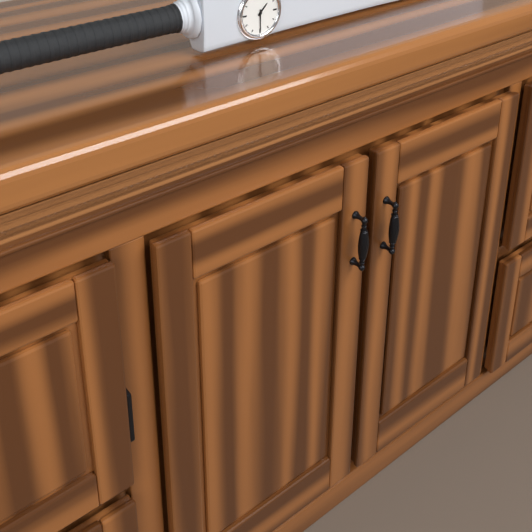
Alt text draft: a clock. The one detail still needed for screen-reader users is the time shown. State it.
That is 1:30
